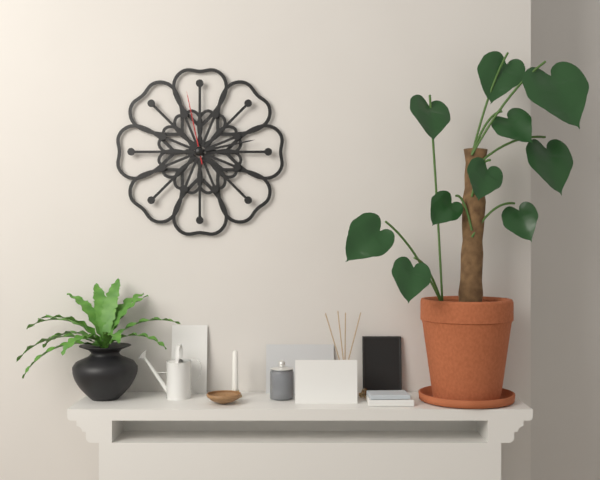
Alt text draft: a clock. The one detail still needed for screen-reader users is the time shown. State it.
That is 4:13:58
